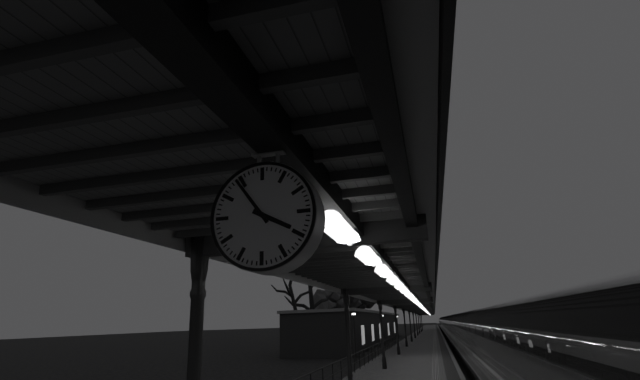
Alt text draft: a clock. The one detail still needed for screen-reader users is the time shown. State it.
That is 3:54
